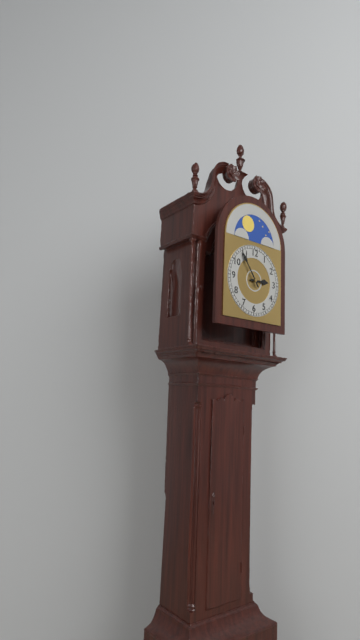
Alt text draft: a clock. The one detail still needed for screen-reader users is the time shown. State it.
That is 2:54
